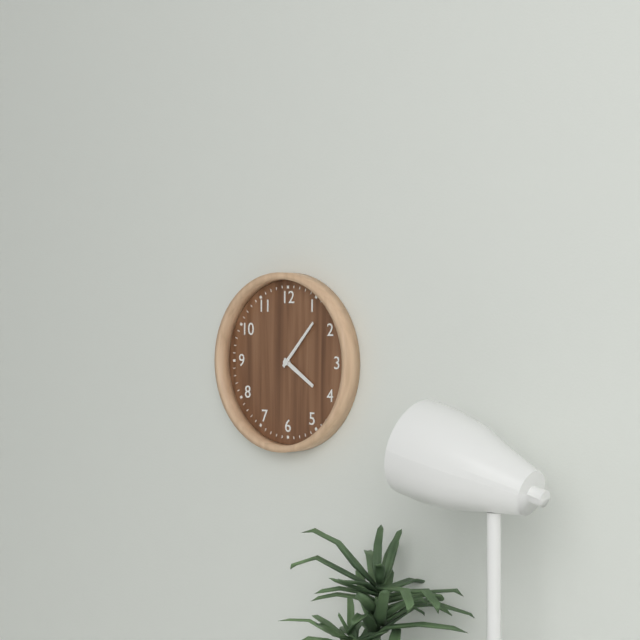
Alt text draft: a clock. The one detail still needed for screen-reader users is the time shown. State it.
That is 4:07
